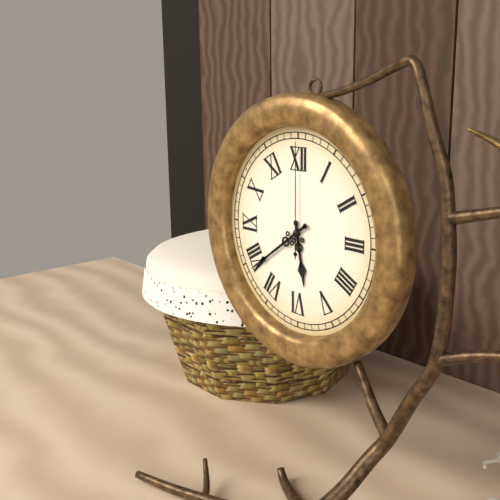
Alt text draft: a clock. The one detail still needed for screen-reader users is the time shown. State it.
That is 5:39:00
